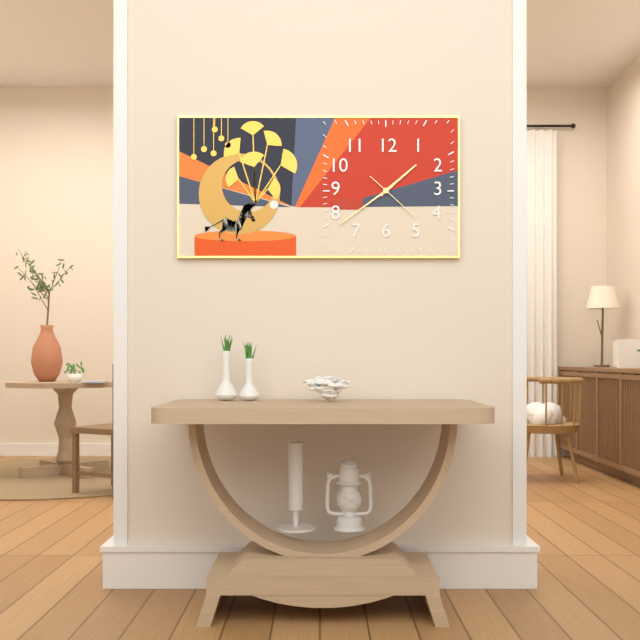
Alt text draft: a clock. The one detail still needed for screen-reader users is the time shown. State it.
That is 1:39
